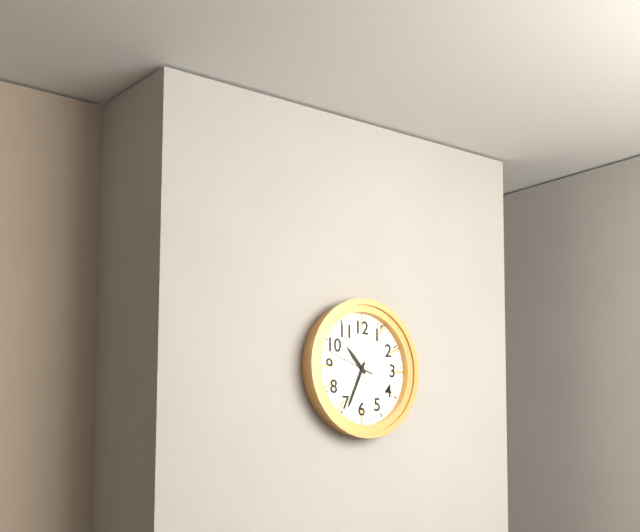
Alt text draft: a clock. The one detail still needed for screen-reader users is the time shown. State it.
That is 10:34:48
